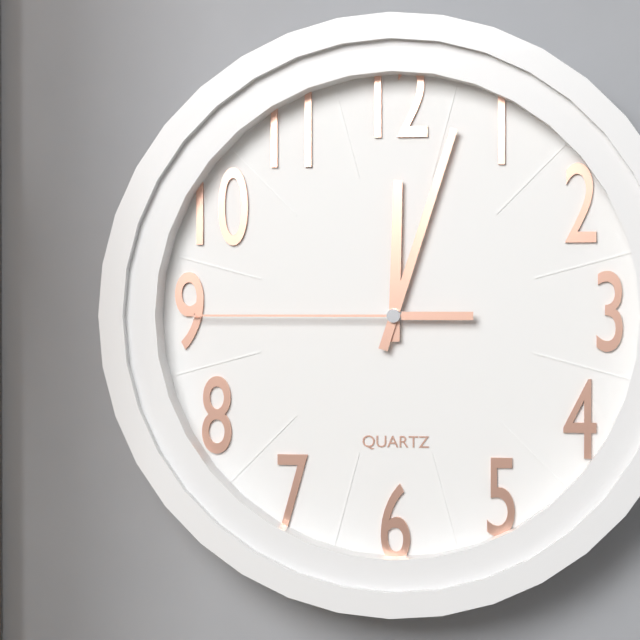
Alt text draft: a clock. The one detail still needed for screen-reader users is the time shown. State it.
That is 12:03:45
